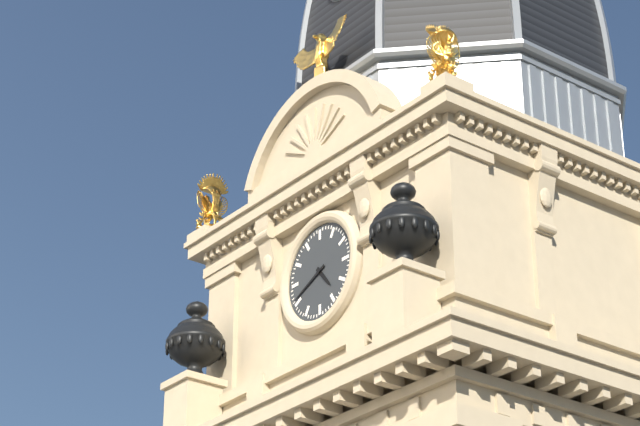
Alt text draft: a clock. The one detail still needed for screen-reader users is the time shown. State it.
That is 4:41
